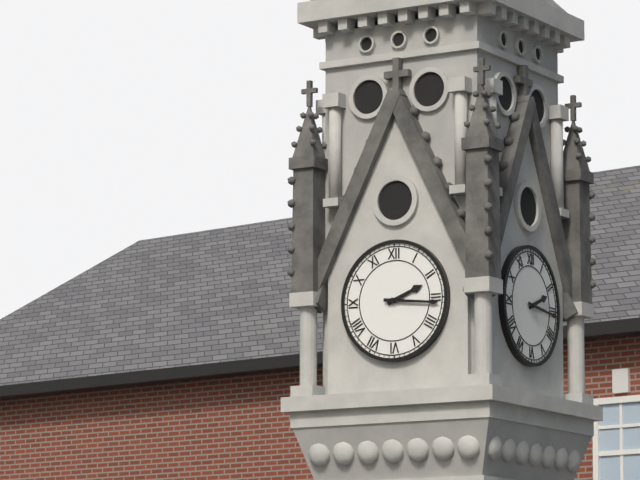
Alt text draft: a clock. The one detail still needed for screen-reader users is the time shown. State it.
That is 2:16
